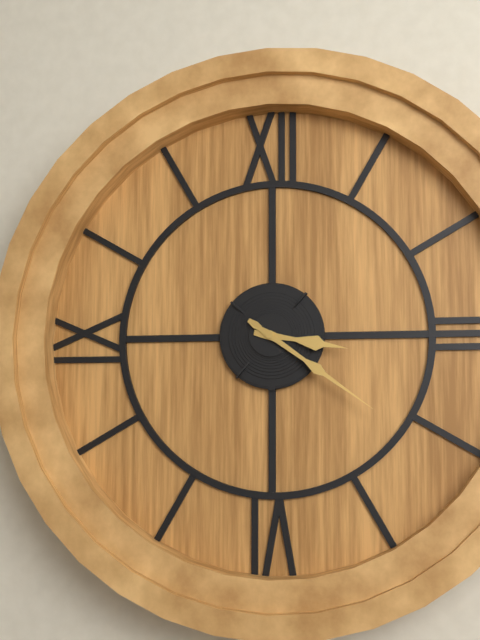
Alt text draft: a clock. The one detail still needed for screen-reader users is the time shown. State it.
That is 3:21
